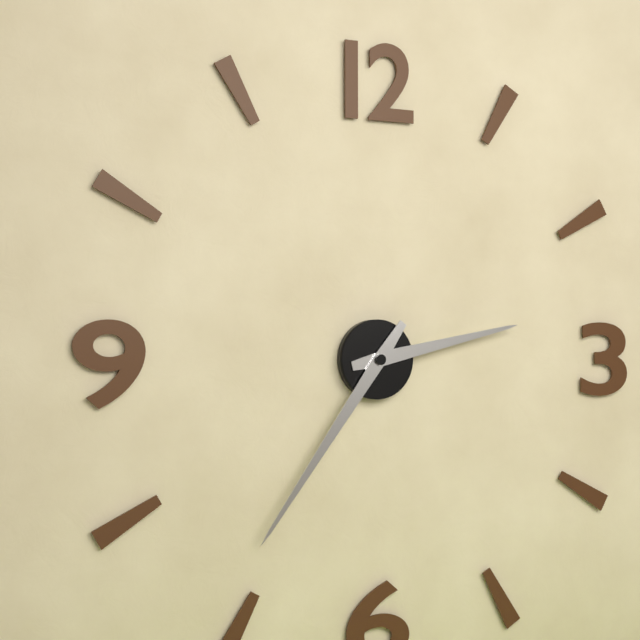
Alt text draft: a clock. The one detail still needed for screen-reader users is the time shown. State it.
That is 2:36
